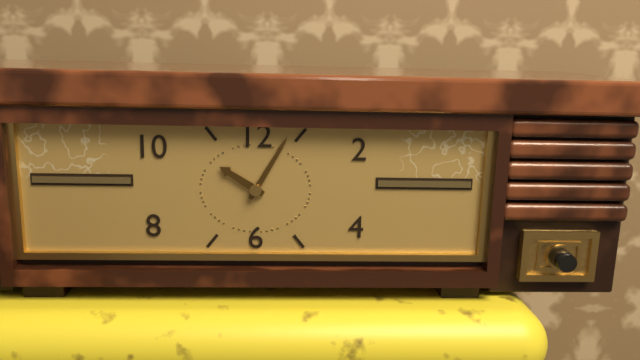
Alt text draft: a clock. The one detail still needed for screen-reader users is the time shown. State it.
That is 10:05
